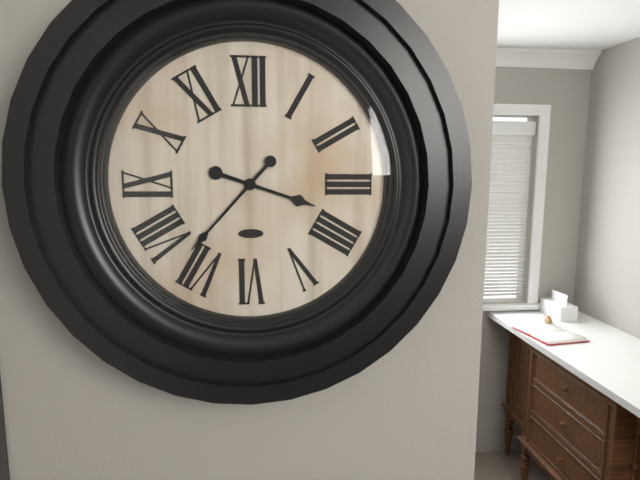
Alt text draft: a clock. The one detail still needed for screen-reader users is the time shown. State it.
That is 3:37
